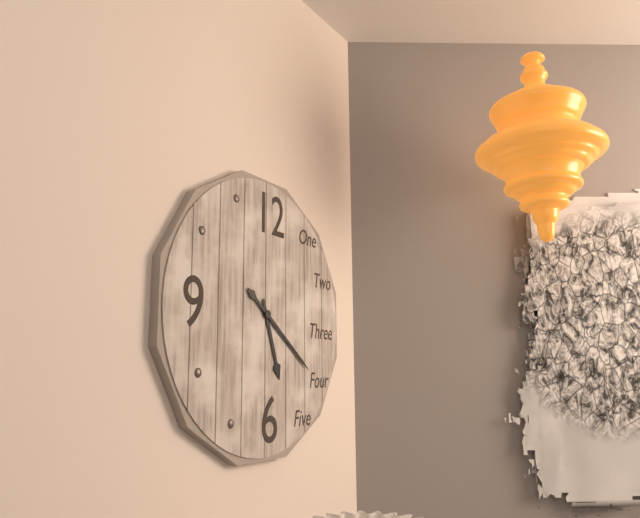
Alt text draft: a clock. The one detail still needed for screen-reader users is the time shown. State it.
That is 5:21
